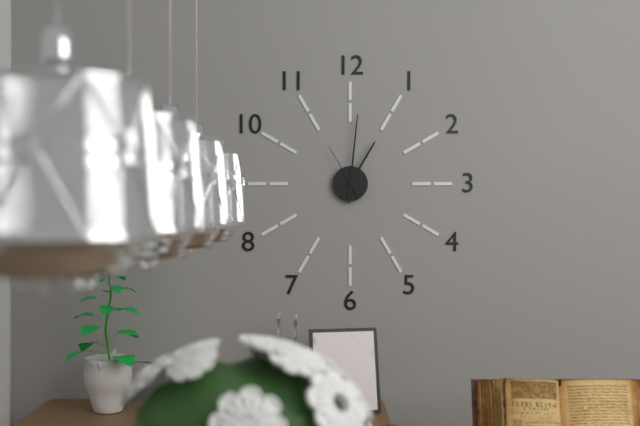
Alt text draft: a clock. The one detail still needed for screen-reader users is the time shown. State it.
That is 1:01:55
